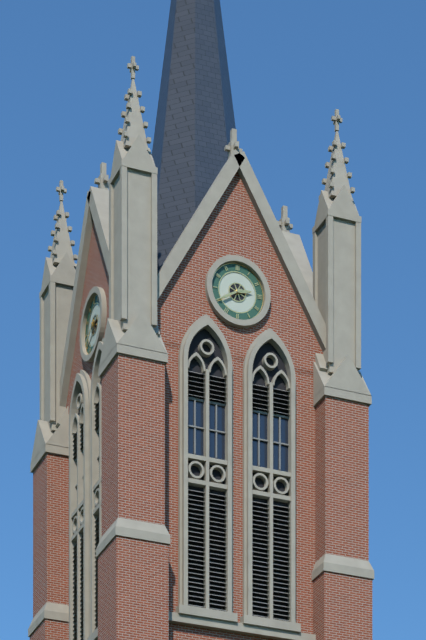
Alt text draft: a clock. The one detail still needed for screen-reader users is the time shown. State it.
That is 2:40
